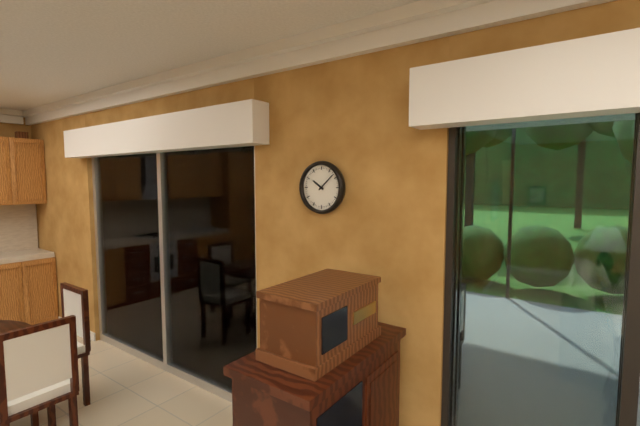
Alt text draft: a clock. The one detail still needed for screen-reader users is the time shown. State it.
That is 10:08
